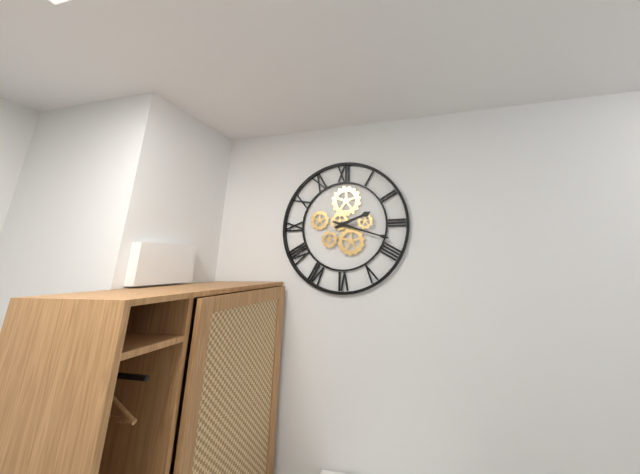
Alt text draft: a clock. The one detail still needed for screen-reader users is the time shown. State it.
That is 2:18
